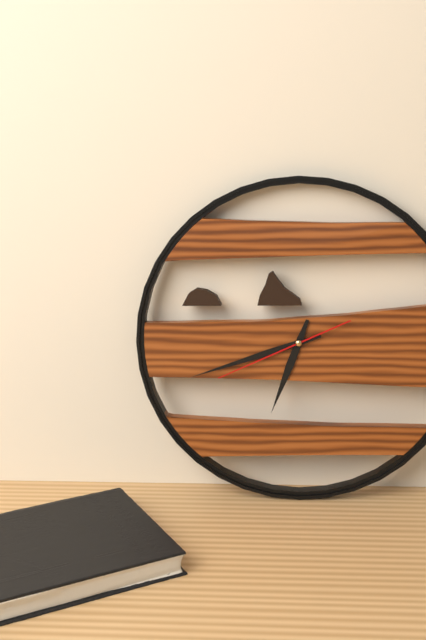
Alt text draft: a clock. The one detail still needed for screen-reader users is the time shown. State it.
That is 6:42:41
